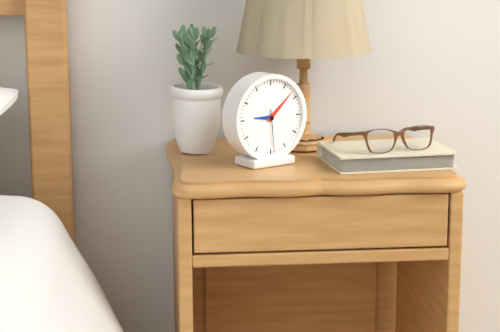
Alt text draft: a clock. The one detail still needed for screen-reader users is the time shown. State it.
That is 9:08
